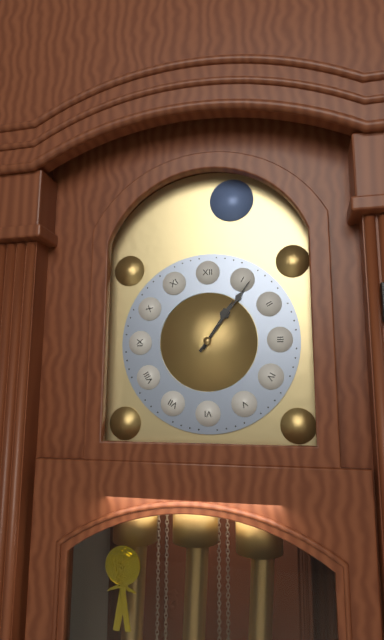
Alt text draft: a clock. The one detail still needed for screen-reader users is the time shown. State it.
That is 1:06
